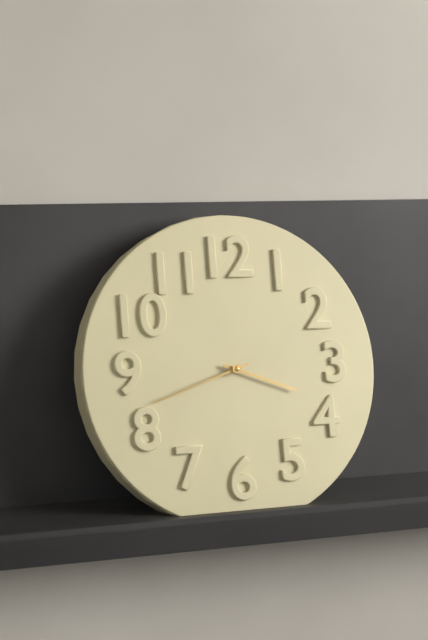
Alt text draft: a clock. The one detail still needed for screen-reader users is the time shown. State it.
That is 3:42
